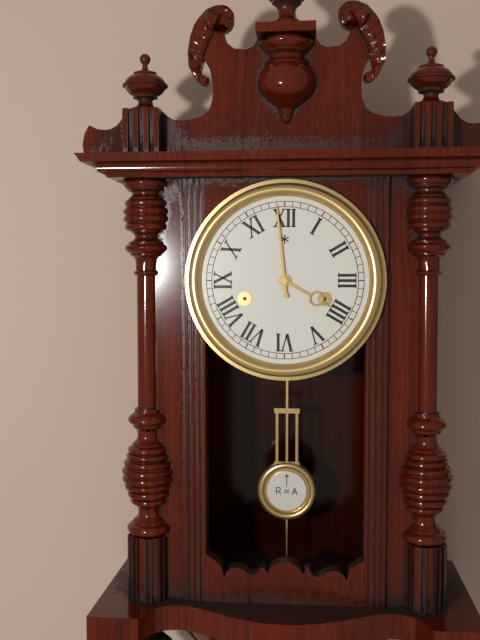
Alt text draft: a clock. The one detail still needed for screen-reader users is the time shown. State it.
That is 3:59
